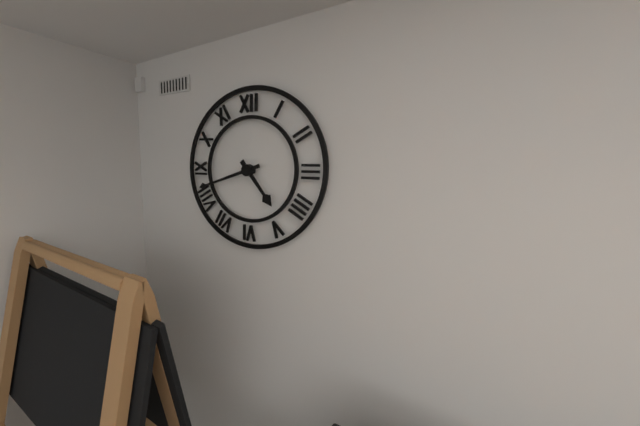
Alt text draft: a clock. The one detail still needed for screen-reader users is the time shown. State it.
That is 4:42
